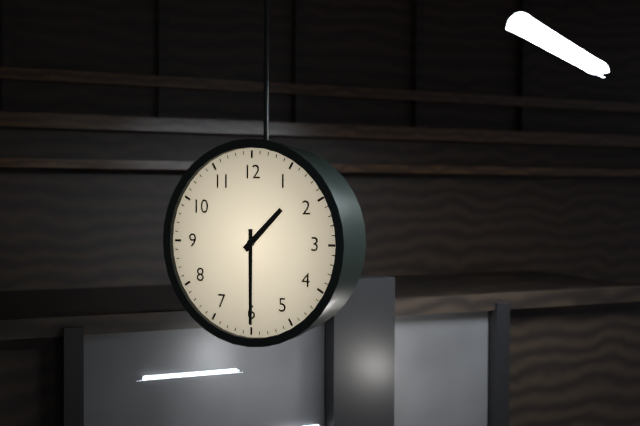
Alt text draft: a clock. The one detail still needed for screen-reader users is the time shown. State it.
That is 1:30
